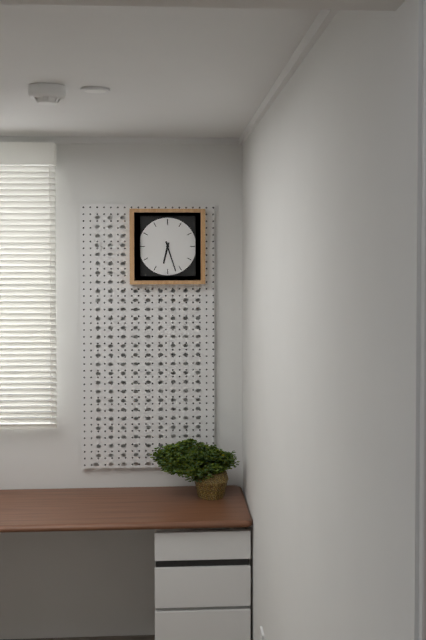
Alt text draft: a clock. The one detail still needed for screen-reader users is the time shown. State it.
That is 6:27
